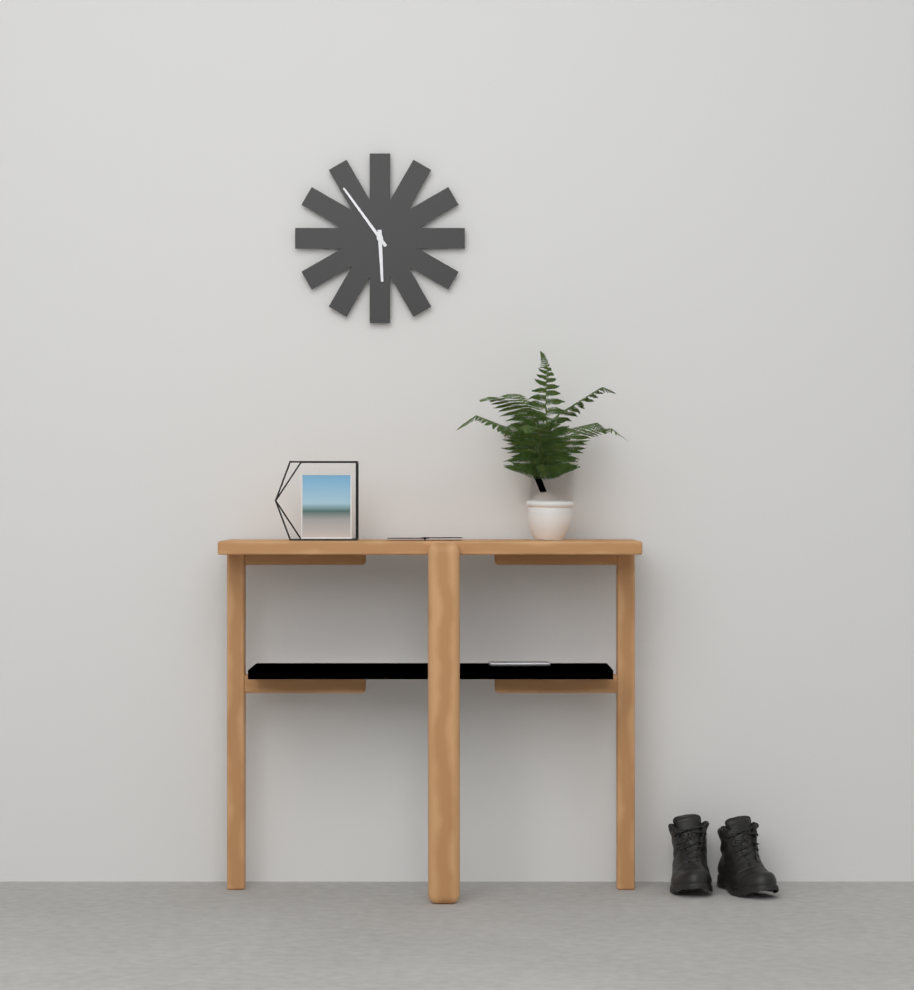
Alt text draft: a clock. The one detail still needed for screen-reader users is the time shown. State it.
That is 5:54
